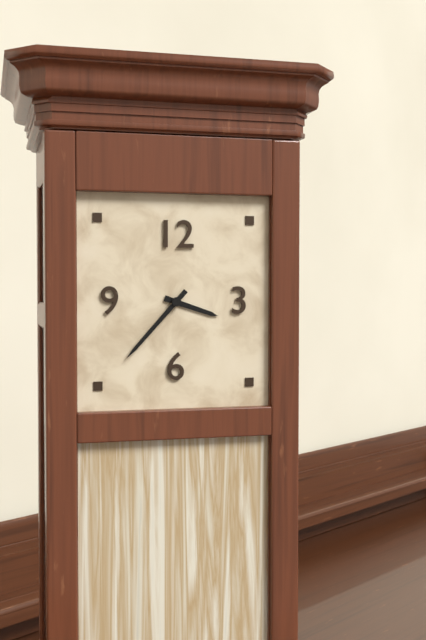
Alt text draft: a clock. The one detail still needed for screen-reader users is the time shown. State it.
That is 3:37
